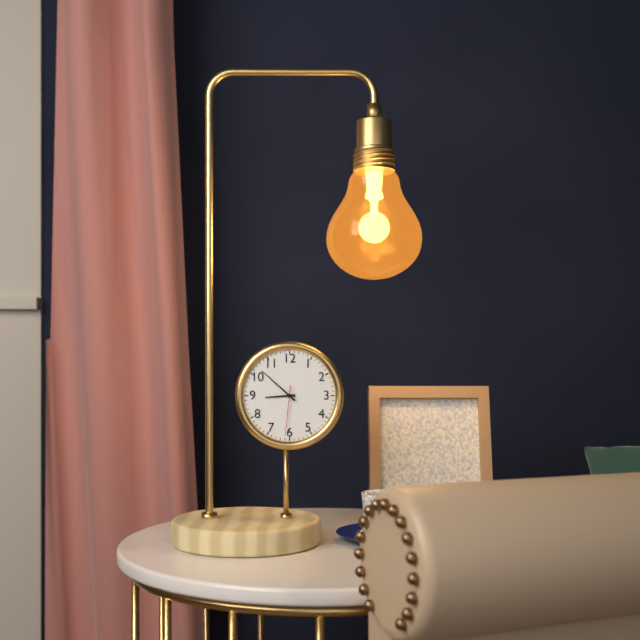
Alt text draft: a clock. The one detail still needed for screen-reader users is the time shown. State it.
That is 8:52:31
